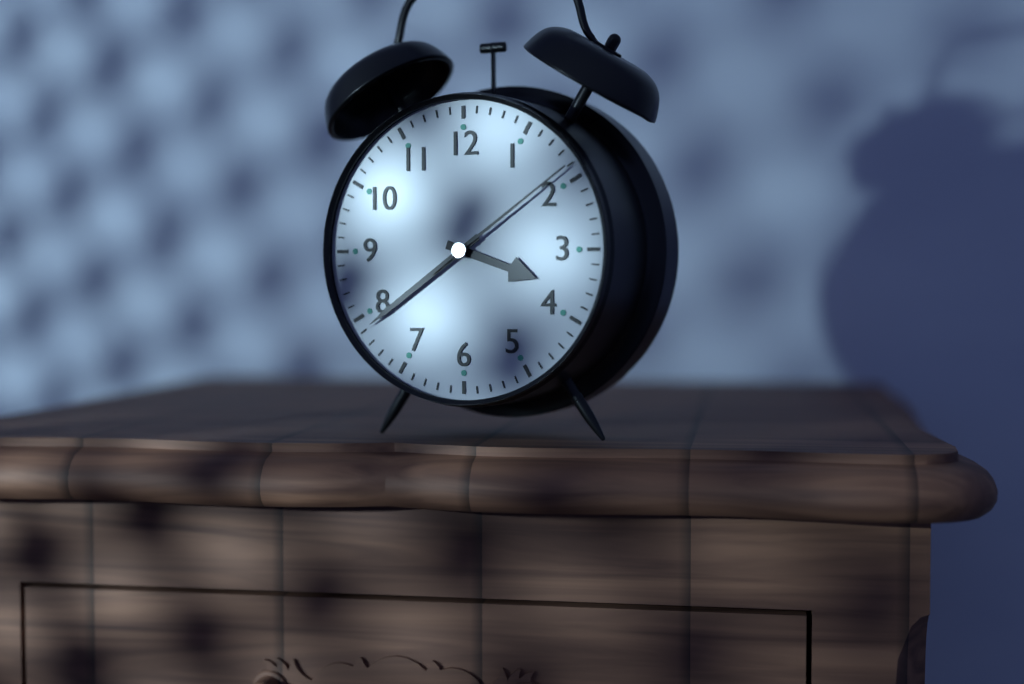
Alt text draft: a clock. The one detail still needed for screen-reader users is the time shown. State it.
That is 3:39:09
